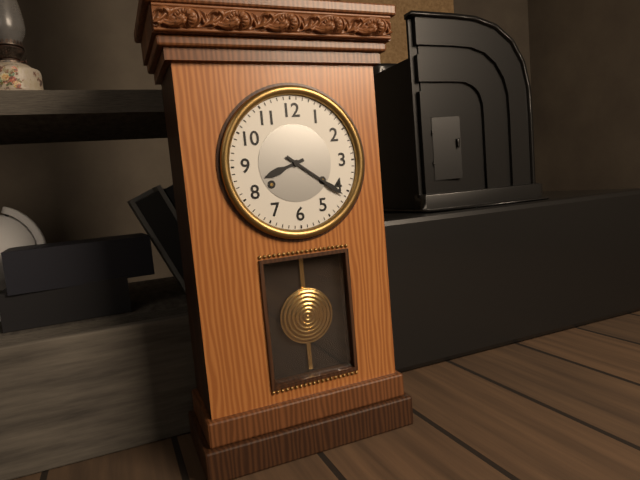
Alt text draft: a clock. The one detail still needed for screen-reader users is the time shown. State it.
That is 8:21
